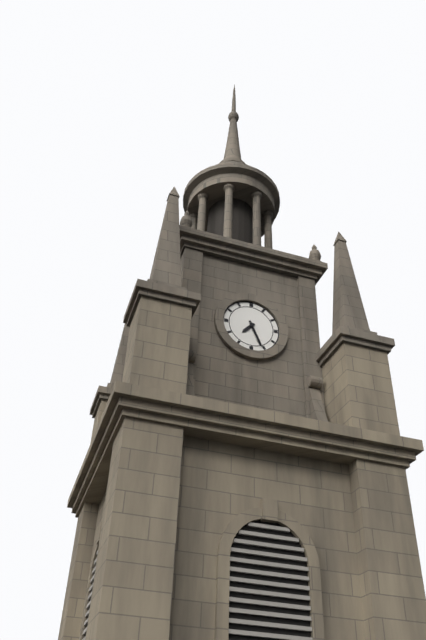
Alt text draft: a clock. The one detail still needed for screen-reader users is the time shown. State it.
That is 7:26
